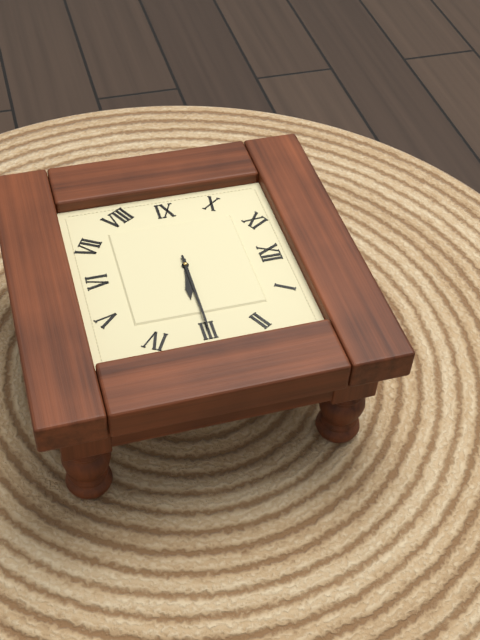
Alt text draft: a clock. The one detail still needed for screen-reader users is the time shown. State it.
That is 3:15
